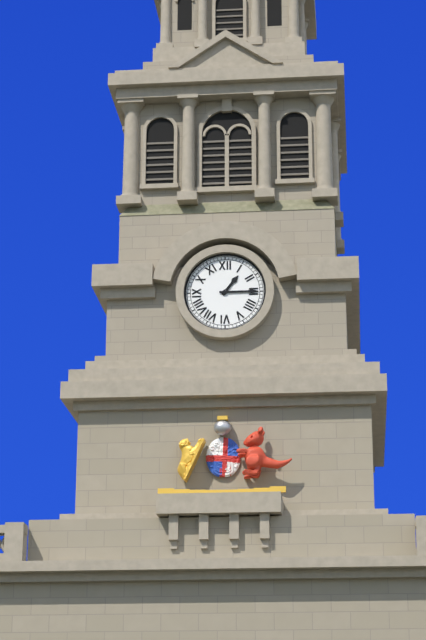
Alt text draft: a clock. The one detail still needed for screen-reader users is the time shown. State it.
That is 1:15
